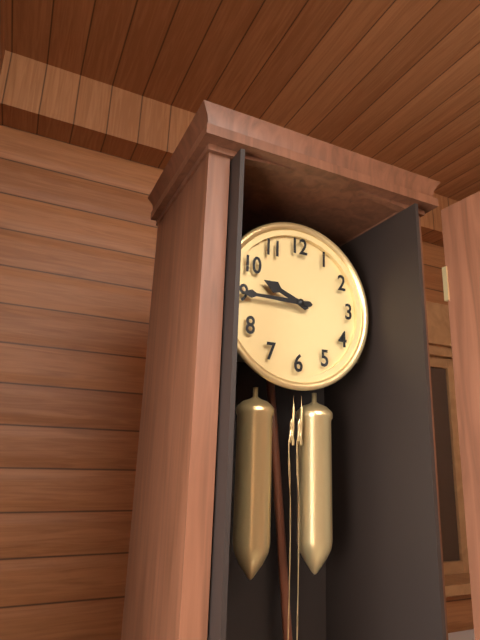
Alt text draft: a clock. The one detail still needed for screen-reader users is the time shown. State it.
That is 9:45
